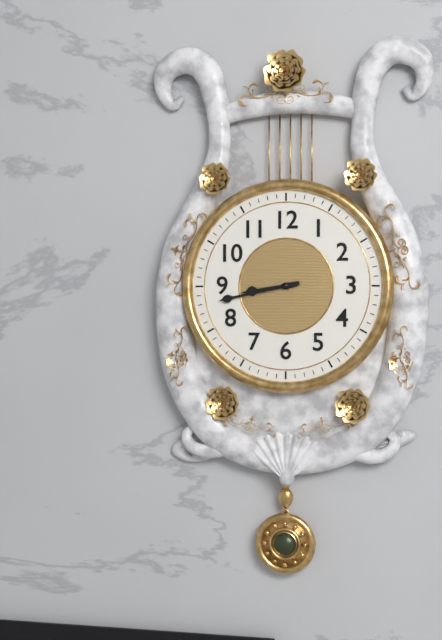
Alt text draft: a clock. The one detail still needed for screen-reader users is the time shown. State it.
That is 8:43
